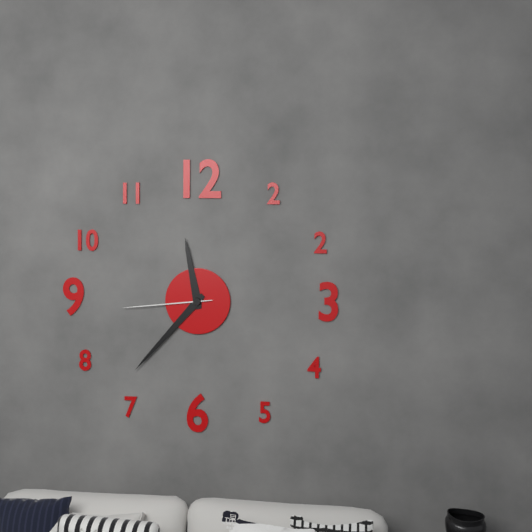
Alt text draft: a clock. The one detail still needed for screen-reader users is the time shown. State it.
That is 11:37:44
